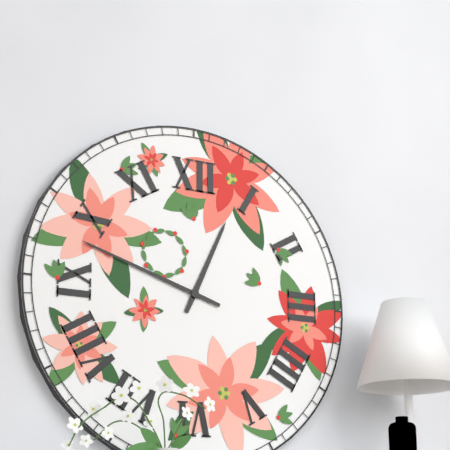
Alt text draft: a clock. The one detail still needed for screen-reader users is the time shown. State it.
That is 12:48
